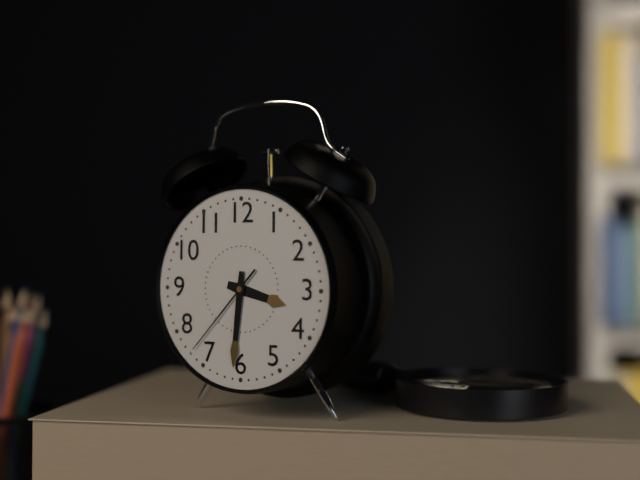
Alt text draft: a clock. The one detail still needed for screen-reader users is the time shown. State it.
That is 3:31:37
